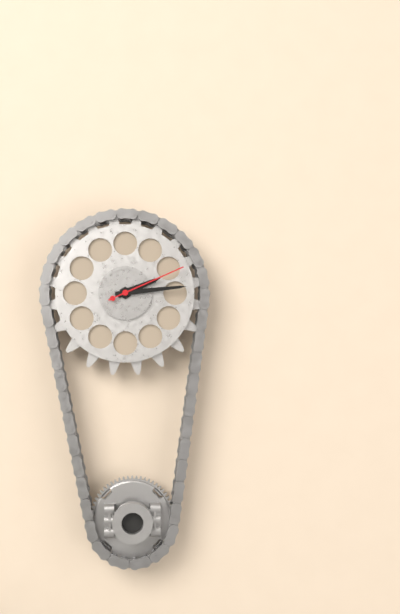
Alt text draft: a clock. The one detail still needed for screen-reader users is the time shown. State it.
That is 2:14:11
